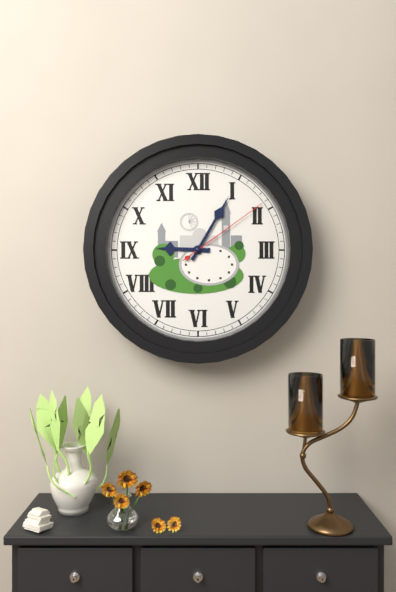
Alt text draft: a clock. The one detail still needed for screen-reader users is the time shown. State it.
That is 9:05:09
